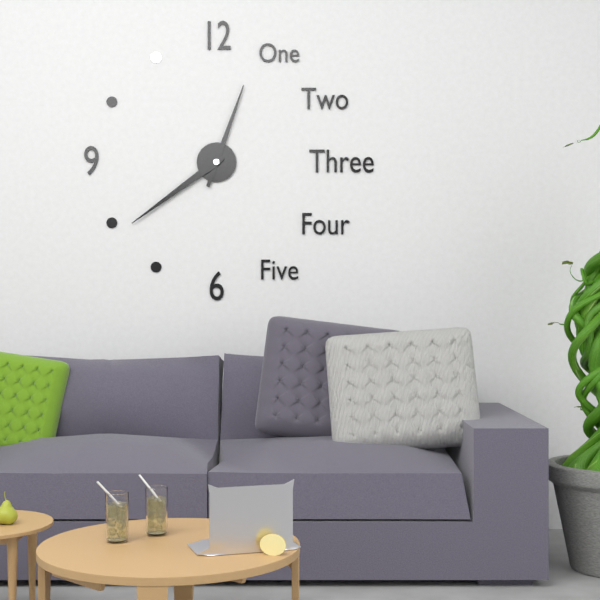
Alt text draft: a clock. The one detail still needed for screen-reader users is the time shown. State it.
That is 12:39
